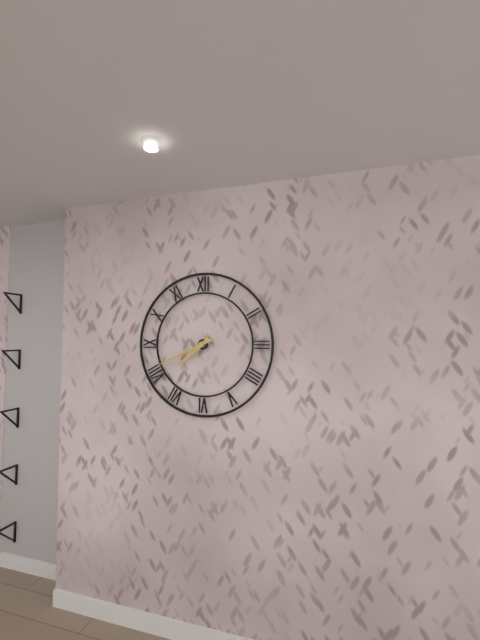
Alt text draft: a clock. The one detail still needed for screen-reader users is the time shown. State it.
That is 7:41
